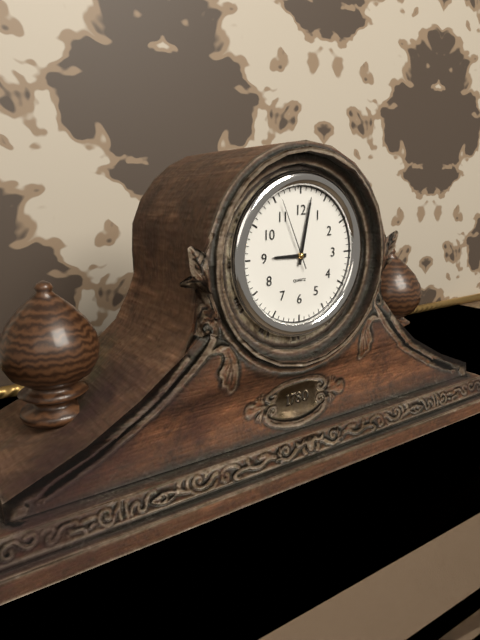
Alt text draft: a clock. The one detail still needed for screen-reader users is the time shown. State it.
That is 9:02:56
